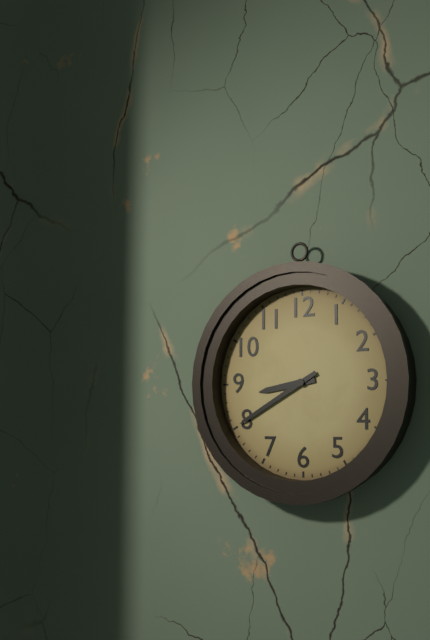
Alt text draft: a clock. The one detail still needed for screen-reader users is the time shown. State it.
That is 8:40
